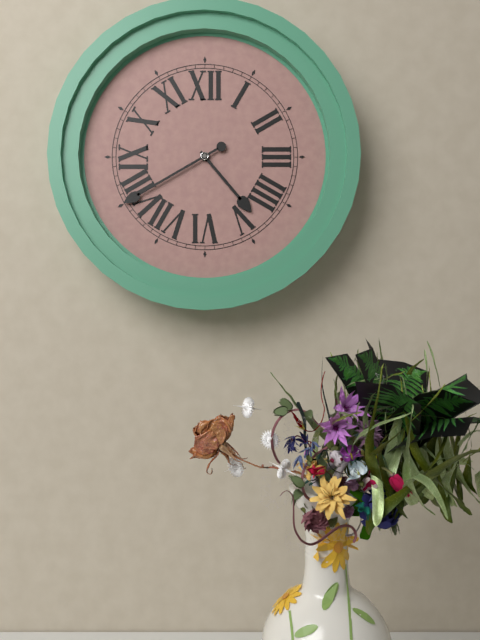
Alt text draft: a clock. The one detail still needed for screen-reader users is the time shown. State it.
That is 4:40
